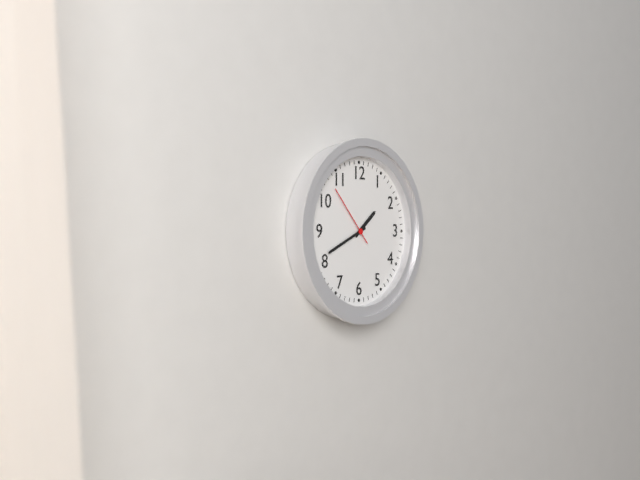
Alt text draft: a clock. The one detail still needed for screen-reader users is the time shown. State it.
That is 1:41:53
